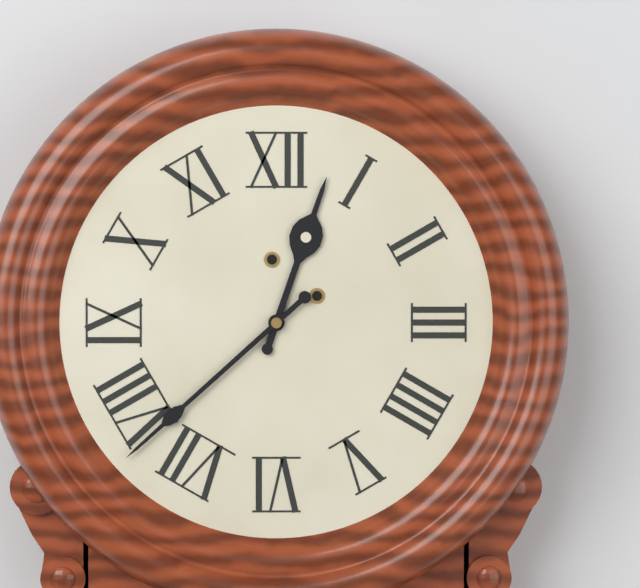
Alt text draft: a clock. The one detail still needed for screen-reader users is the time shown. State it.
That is 12:38
